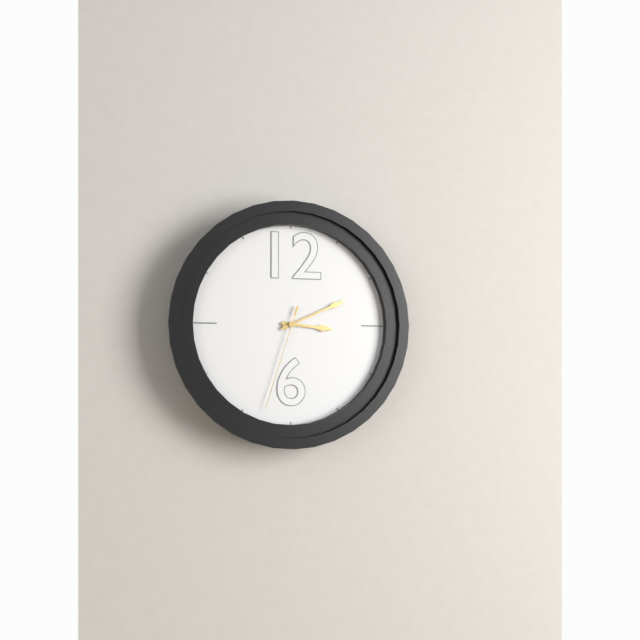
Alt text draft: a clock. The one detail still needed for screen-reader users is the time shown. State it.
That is 3:11:33
